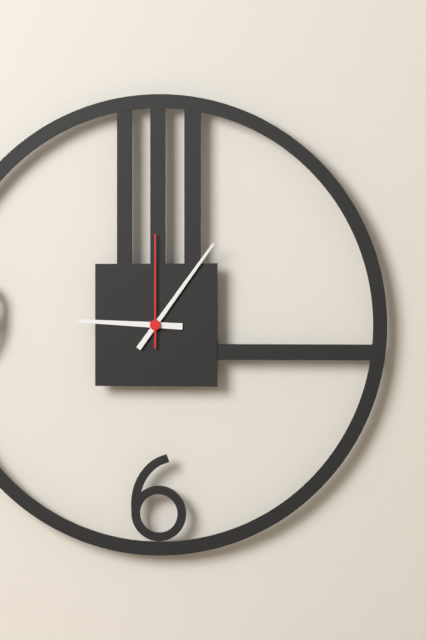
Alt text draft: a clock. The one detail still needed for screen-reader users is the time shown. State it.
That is 9:06:00
